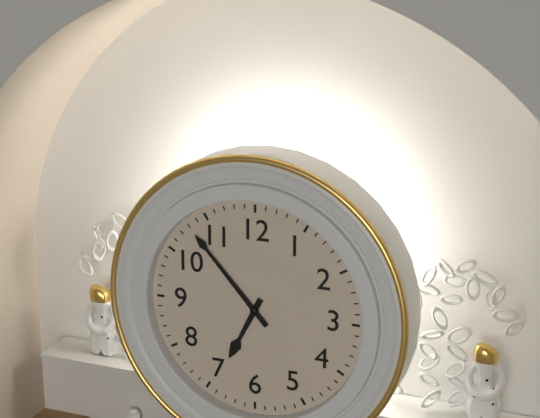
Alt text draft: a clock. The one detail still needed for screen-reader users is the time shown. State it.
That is 6:53
